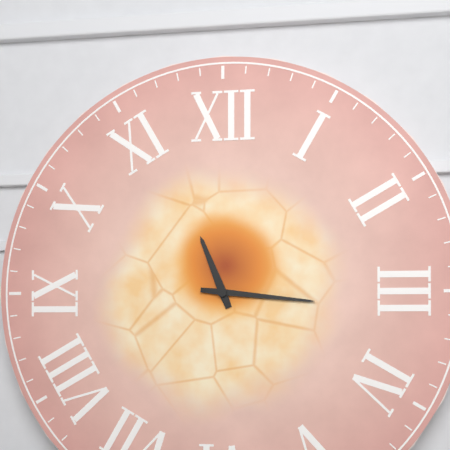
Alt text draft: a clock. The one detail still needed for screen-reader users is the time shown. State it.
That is 11:16
